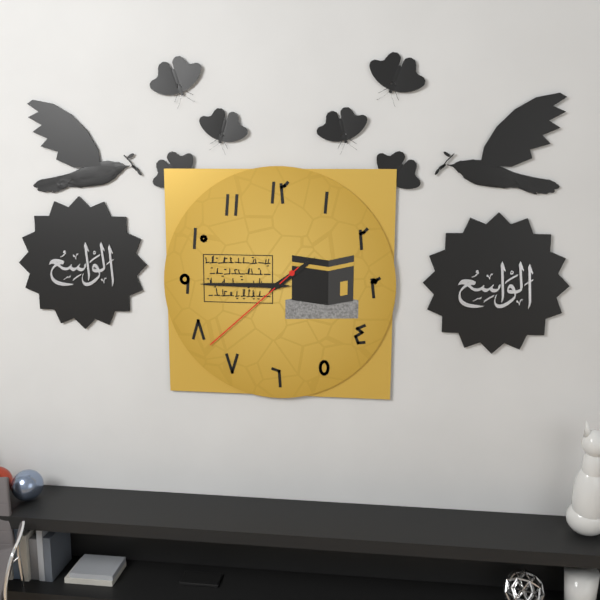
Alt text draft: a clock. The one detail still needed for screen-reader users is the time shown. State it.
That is 1:45:38
